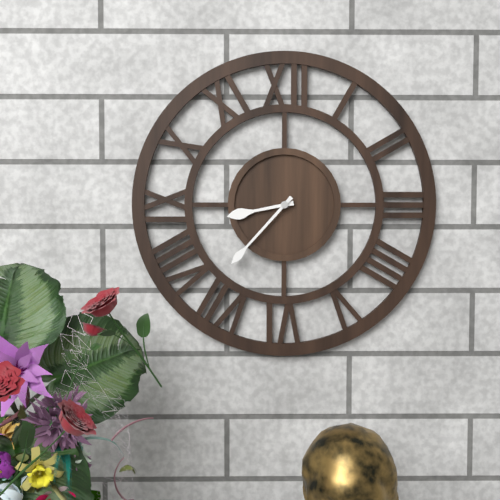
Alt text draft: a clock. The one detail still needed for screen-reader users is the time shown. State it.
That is 8:37
